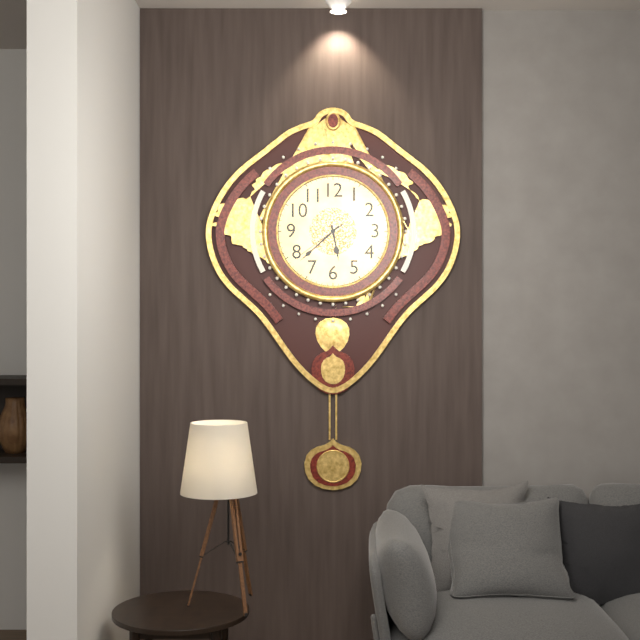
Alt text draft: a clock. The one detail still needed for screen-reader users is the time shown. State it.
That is 5:38:39
